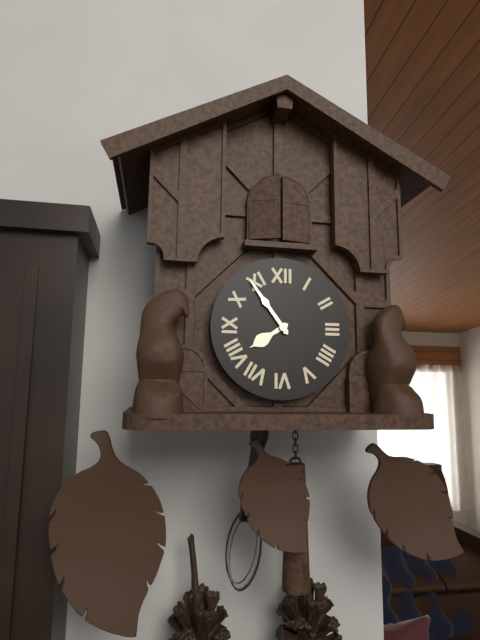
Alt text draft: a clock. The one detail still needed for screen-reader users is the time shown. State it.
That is 7:54
